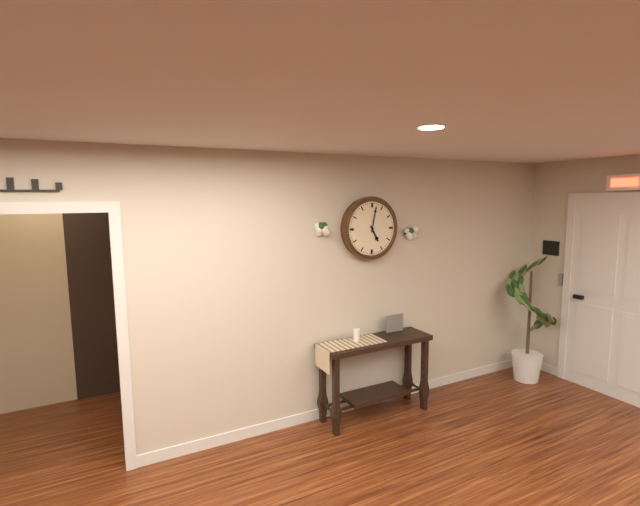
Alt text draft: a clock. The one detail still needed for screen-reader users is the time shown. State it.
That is 5:02
